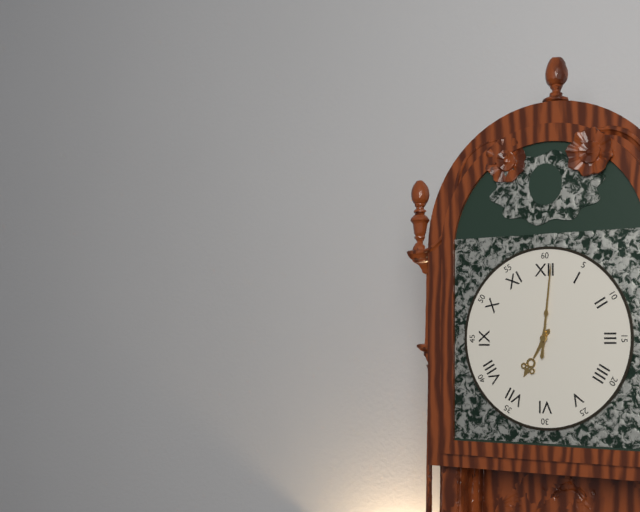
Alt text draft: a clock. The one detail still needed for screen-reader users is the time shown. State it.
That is 7:01
